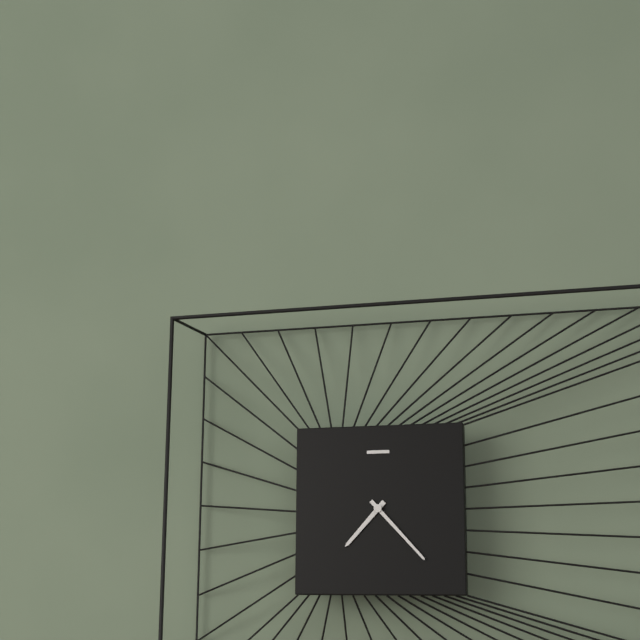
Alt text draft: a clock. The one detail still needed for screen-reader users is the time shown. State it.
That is 7:23
